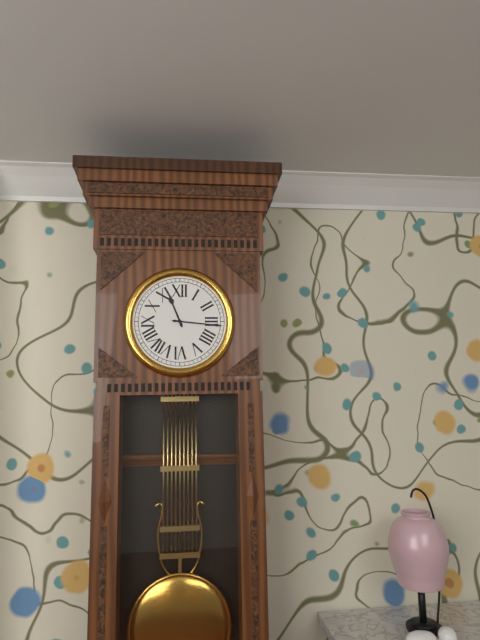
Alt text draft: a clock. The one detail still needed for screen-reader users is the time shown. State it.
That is 11:16
